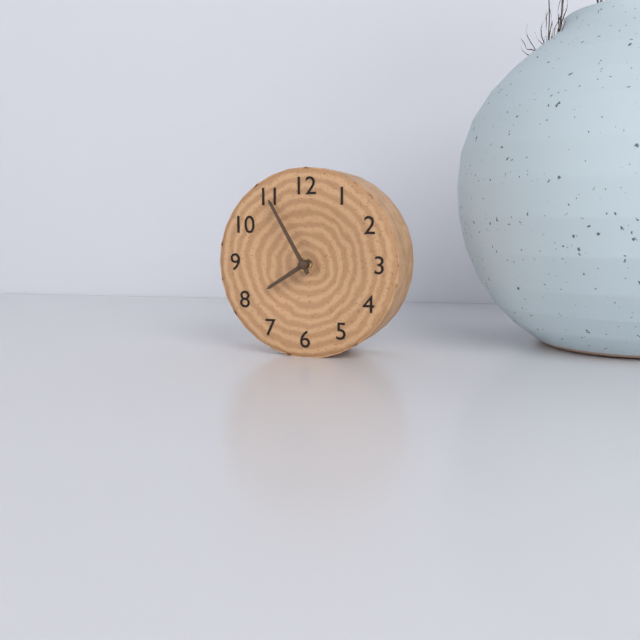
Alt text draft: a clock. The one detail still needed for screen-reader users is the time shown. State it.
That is 7:55
